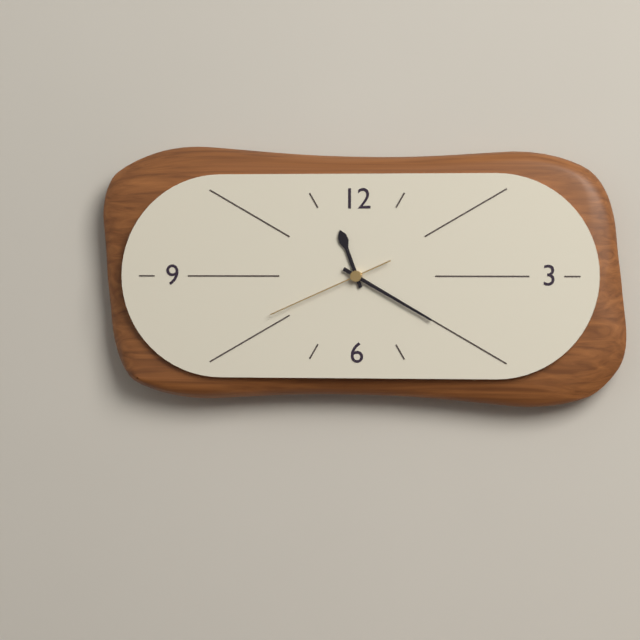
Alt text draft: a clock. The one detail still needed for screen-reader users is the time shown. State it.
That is 11:20:41
